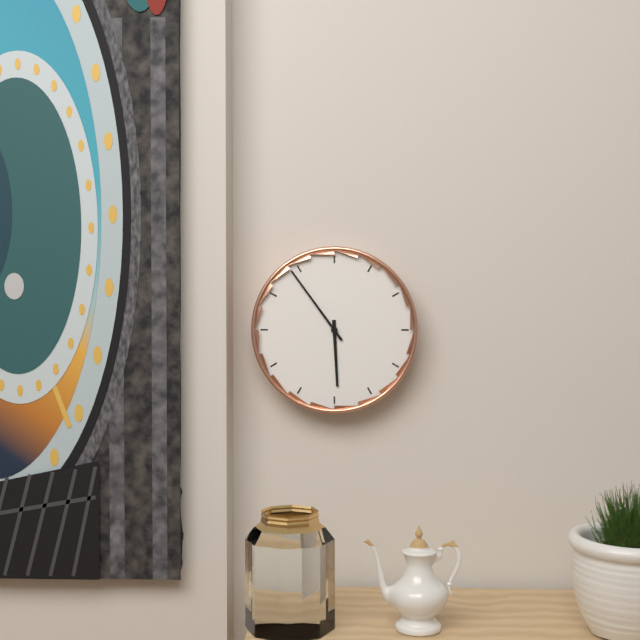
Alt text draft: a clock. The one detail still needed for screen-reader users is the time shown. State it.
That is 5:54
